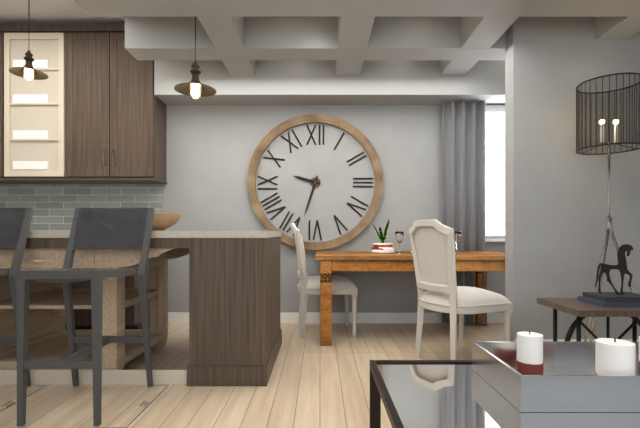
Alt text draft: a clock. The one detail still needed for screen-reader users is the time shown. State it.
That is 9:33
